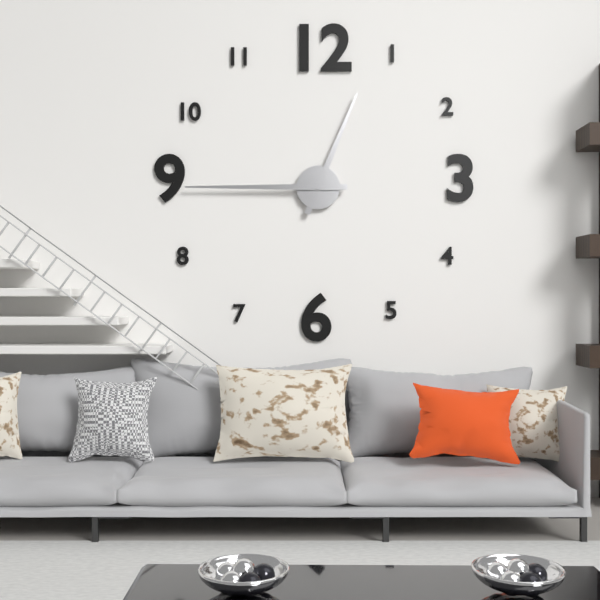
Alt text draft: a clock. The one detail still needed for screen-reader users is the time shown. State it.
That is 12:45
